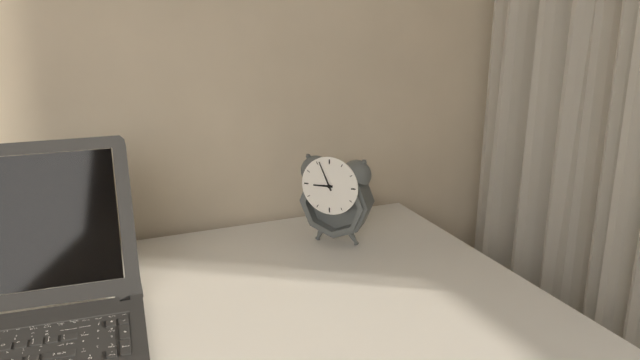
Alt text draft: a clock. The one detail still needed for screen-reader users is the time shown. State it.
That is 8:56
